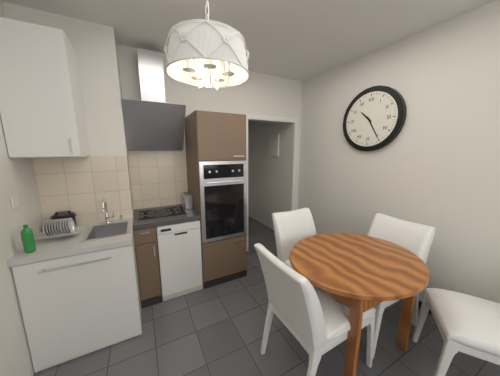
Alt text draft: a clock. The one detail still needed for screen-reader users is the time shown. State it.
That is 10:25
